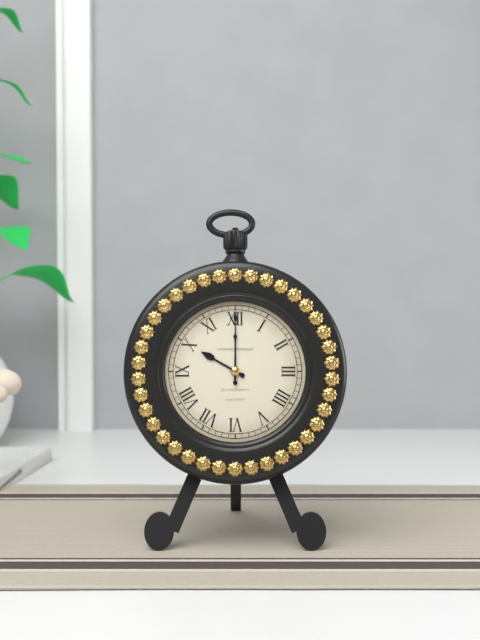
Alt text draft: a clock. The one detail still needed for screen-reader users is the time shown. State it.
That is 10:00
